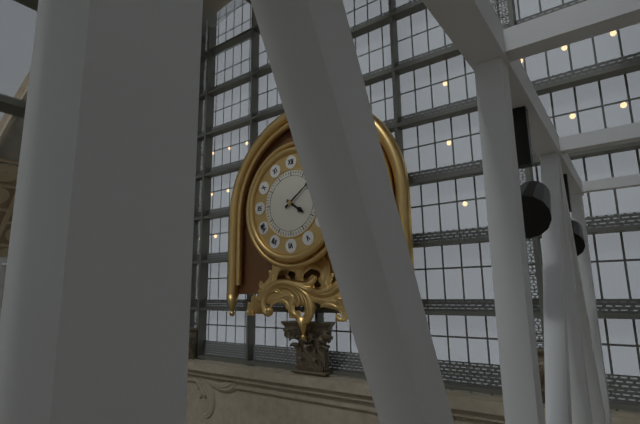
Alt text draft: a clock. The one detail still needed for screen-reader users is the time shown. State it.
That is 4:09
